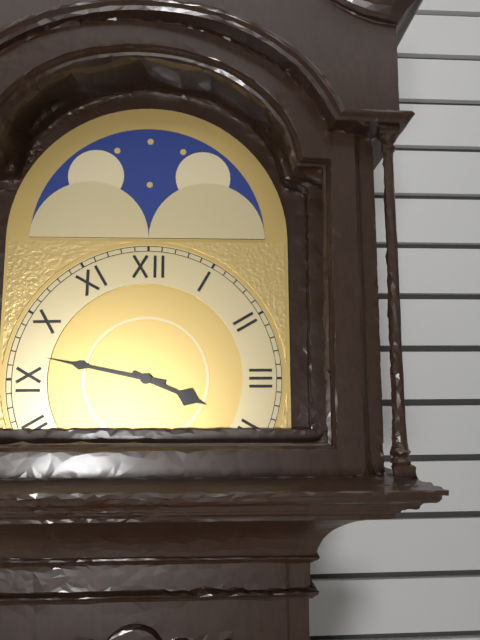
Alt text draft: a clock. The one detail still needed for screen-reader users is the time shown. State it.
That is 3:47
